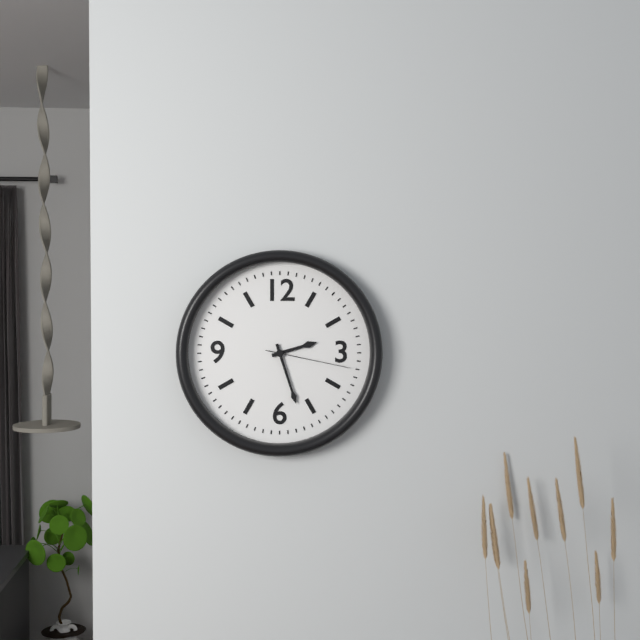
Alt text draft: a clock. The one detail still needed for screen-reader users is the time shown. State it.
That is 2:27:17
